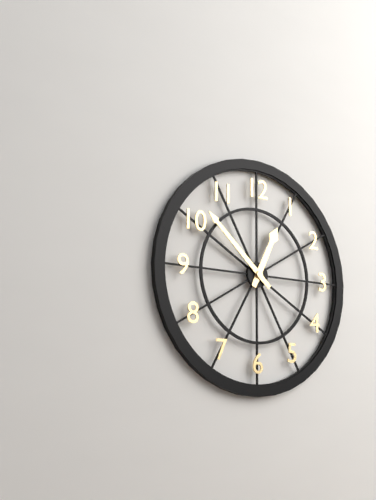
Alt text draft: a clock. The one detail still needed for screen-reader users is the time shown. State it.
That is 12:52
